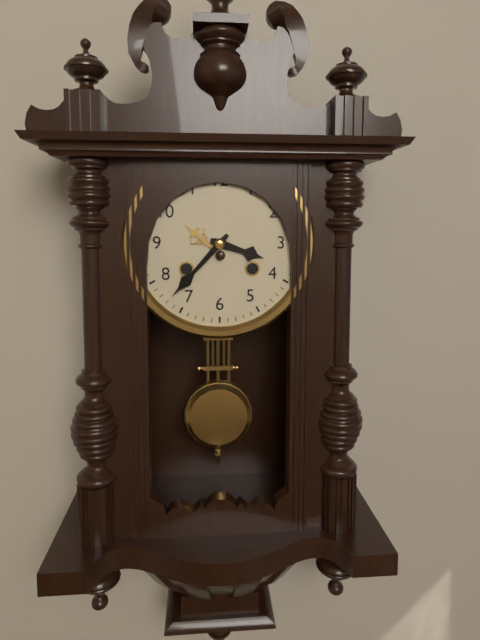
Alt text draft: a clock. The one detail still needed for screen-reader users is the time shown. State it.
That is 3:37
